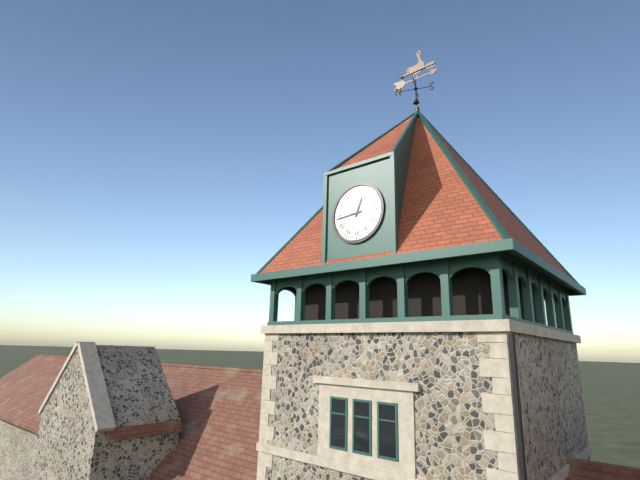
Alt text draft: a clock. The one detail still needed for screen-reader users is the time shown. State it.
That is 12:44
